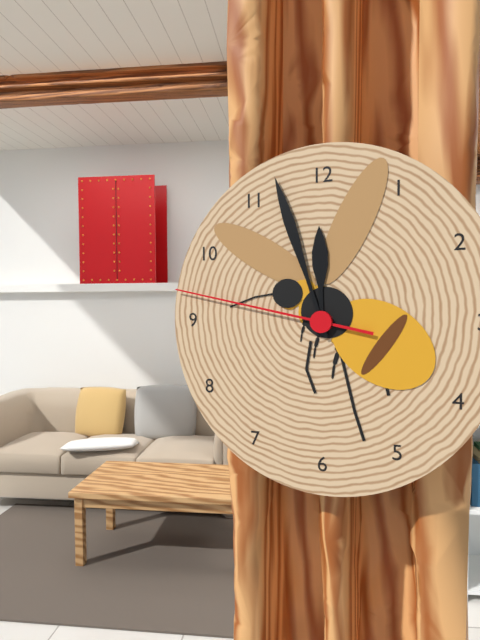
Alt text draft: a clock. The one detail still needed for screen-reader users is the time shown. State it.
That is 11:57:47
